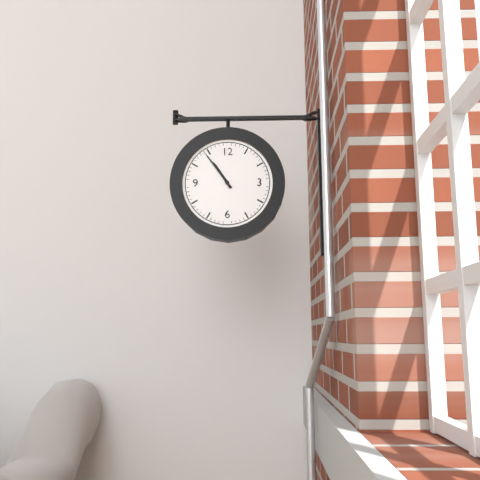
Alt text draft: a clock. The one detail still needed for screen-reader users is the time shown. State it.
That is 10:54
